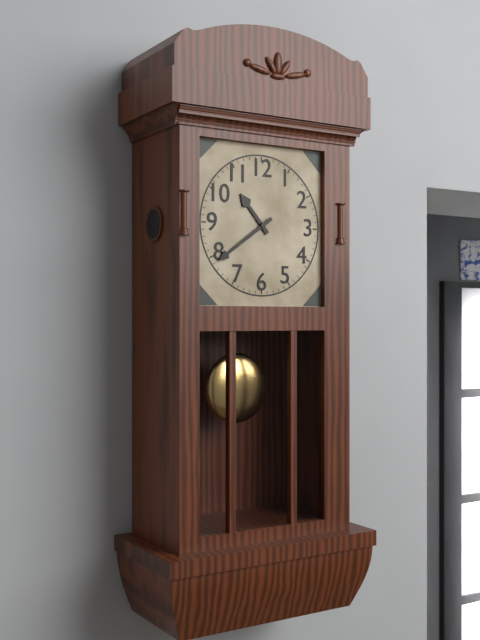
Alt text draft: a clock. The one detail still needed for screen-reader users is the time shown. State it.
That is 10:39
